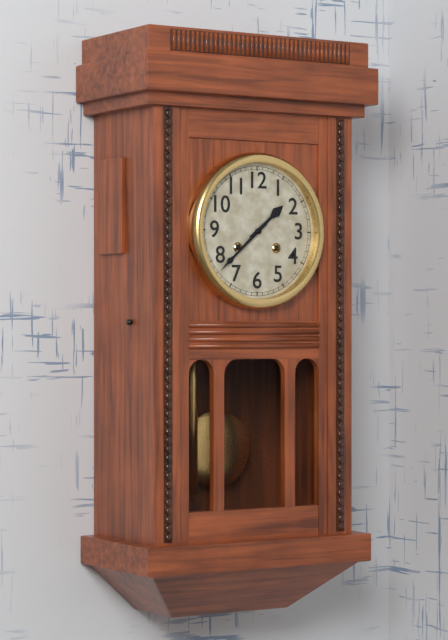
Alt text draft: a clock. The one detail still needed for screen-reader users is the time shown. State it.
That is 1:38
